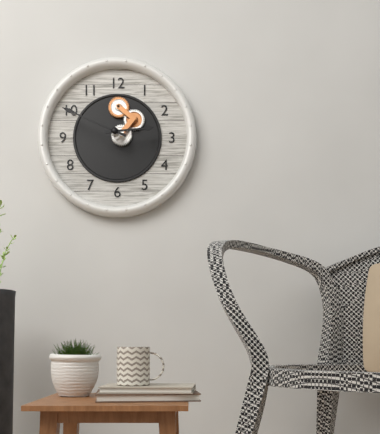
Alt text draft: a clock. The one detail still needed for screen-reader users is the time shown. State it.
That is 2:49
